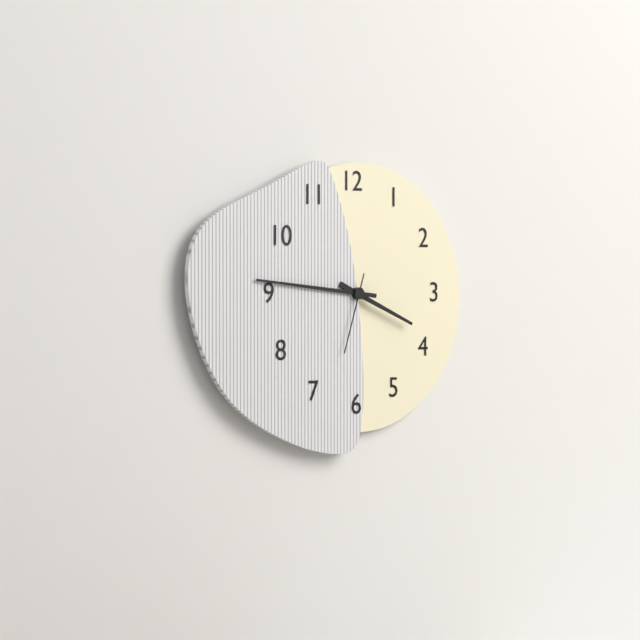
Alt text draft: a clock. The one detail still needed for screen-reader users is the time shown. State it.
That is 3:46:33
